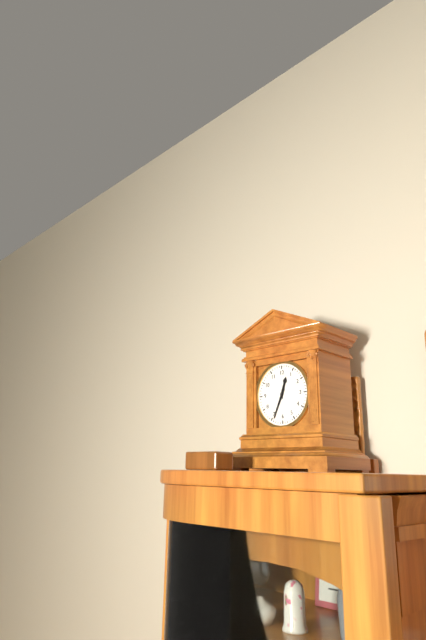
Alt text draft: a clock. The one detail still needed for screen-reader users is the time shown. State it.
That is 12:34
